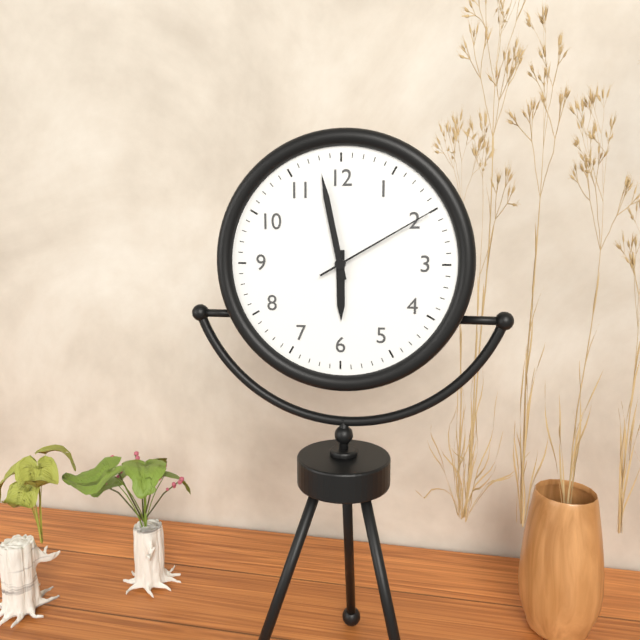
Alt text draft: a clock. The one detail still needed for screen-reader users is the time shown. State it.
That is 5:58:10
